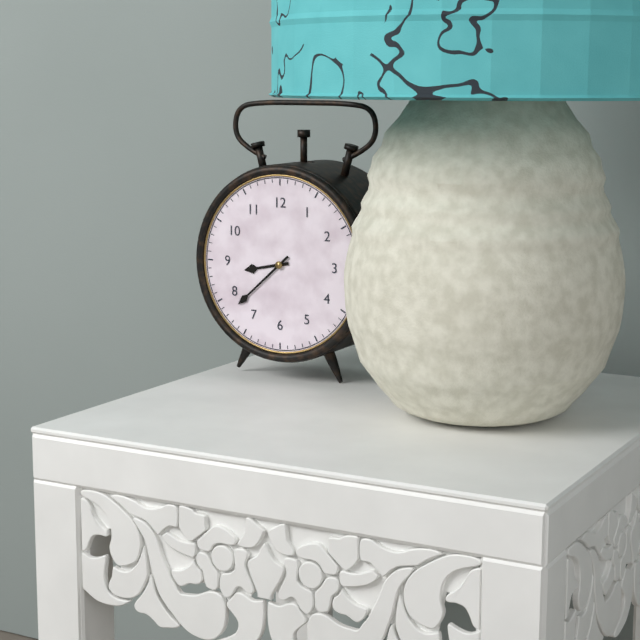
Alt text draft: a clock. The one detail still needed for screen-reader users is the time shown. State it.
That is 8:38
